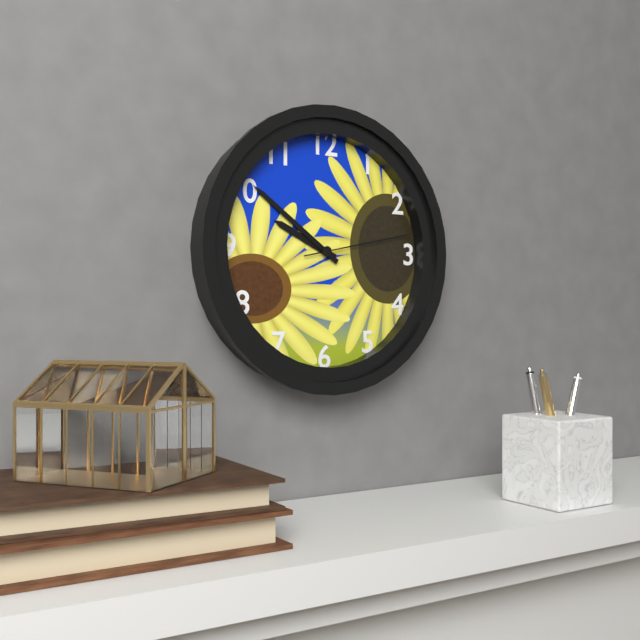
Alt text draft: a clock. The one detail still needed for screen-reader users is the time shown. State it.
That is 9:51:13
